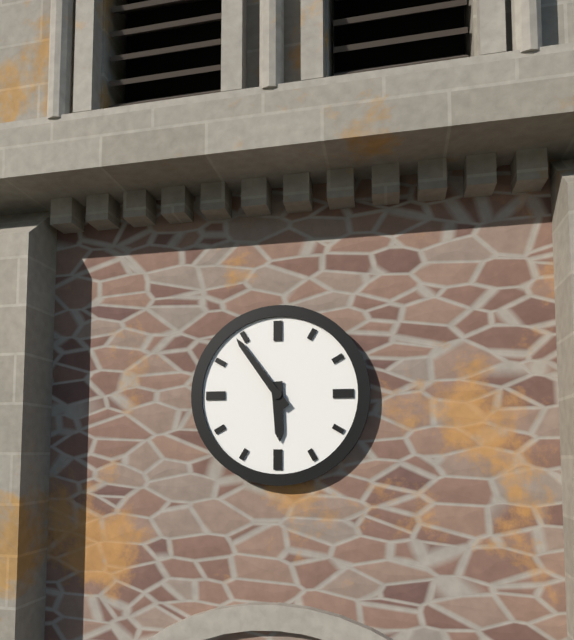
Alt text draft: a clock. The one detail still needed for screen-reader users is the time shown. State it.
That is 5:54
